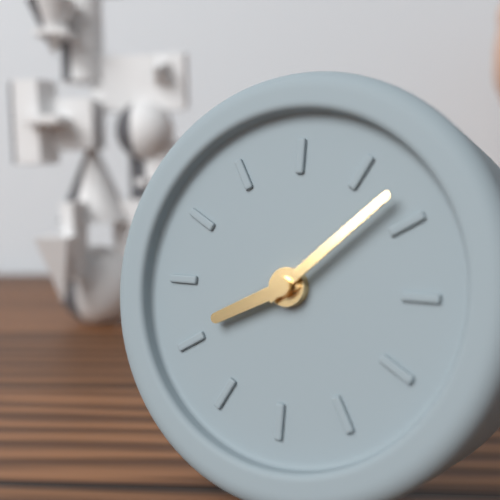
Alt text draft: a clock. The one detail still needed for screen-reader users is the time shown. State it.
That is 8:08
